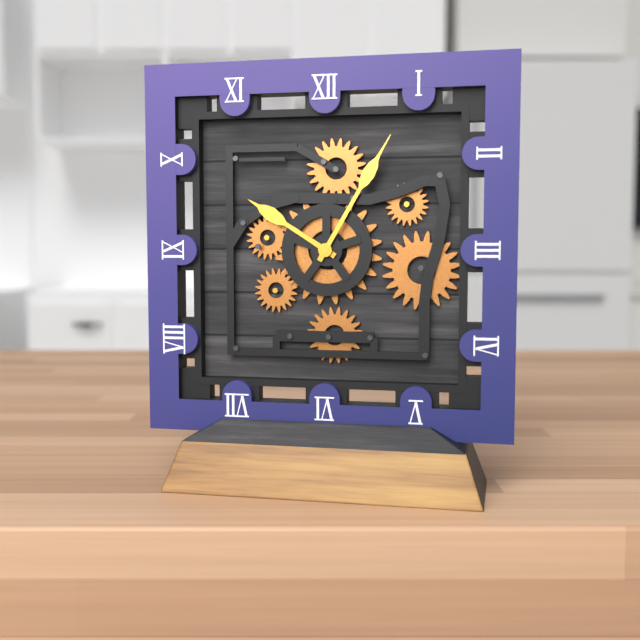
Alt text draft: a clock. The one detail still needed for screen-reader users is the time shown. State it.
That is 10:05
